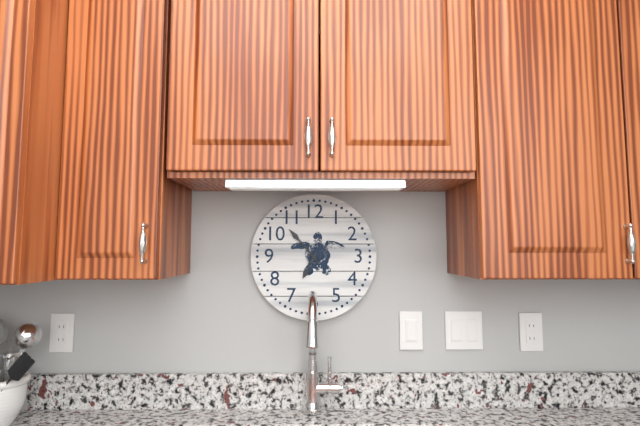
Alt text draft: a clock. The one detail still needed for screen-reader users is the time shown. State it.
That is 6:53
